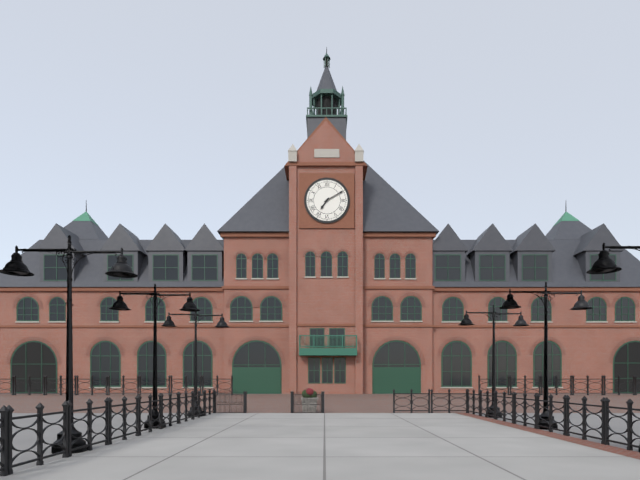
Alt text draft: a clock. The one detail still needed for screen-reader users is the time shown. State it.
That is 7:10
